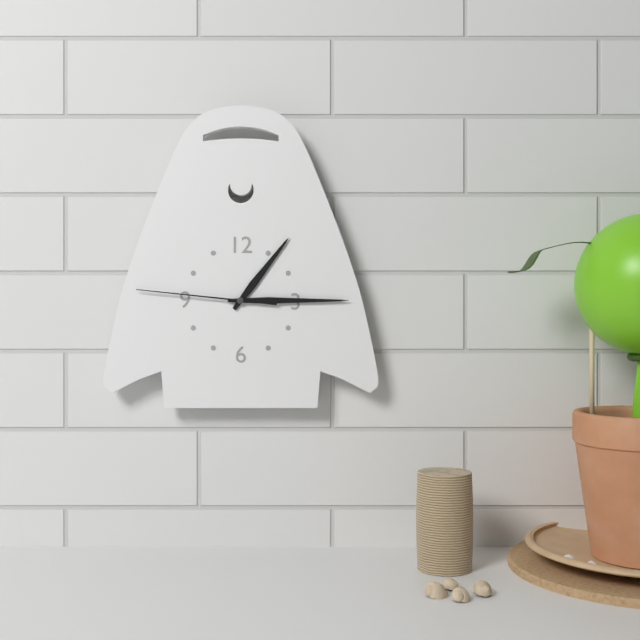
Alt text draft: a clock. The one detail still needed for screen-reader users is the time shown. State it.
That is 1:15:46
